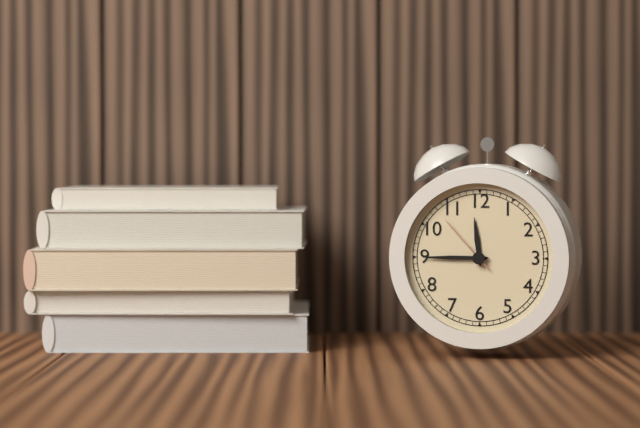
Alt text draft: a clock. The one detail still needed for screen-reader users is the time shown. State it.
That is 11:45:53
